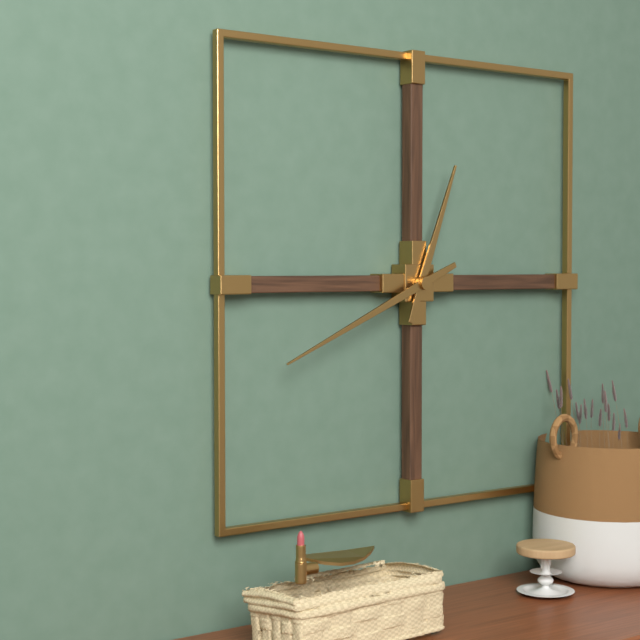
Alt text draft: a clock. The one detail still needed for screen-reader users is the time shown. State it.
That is 12:41
